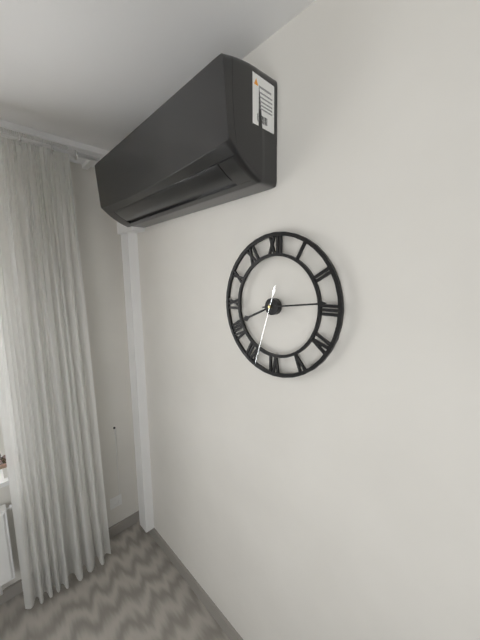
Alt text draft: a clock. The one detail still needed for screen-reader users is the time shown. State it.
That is 8:14:33
